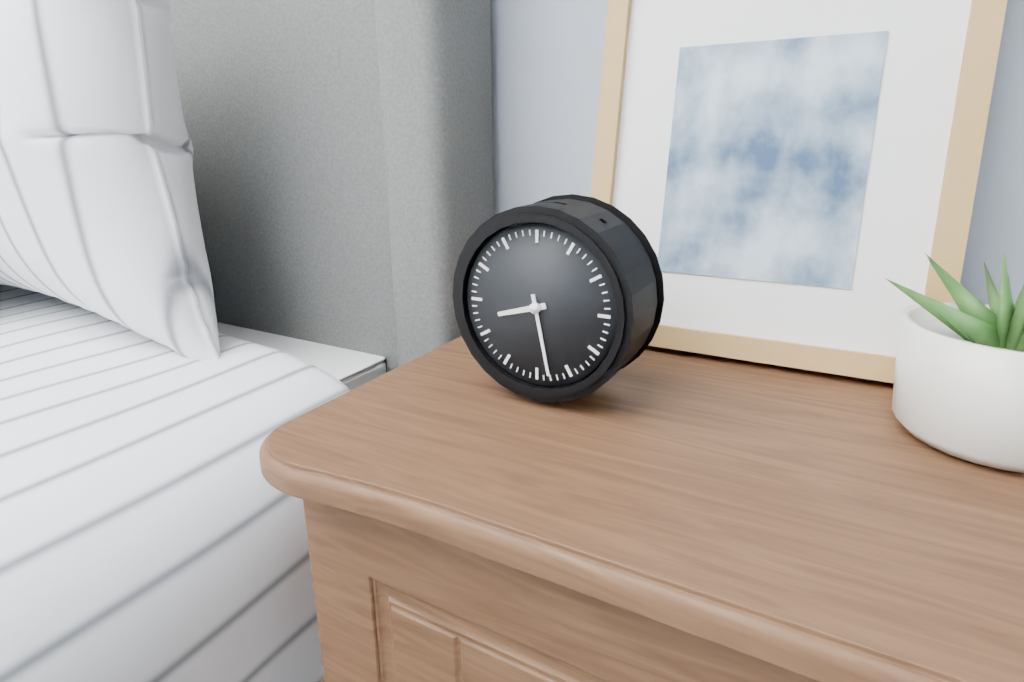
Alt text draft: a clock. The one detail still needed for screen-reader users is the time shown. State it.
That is 8:28
